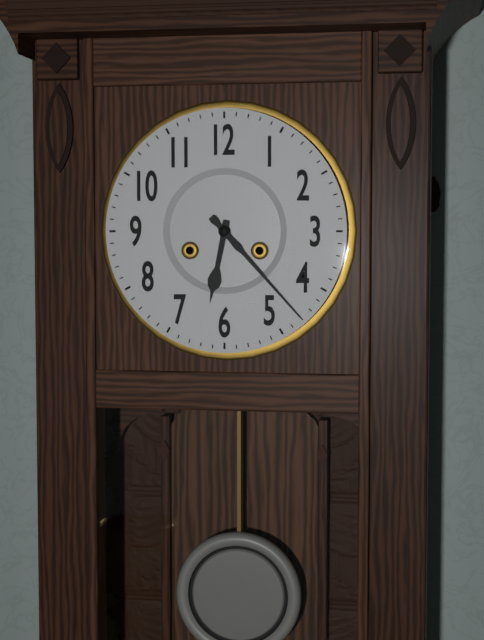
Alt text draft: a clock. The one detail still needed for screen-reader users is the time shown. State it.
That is 6:23
